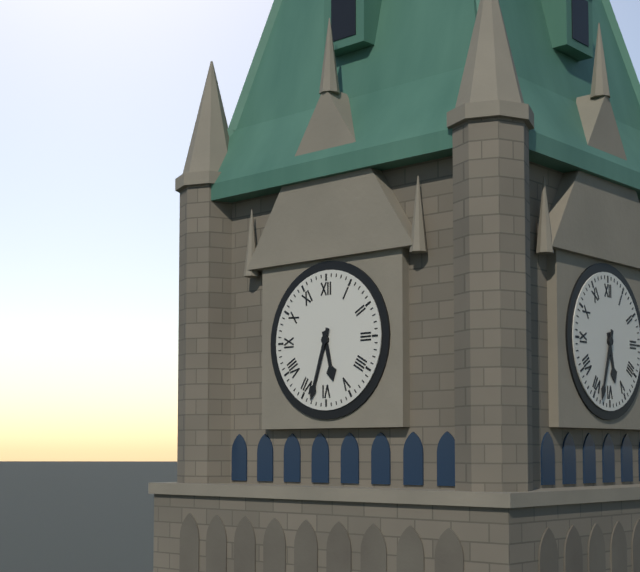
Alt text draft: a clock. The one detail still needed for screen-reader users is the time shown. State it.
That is 5:33
